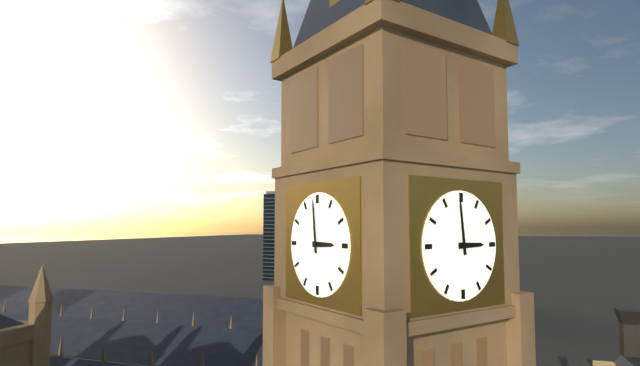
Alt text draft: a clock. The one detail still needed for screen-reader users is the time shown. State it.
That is 2:59
